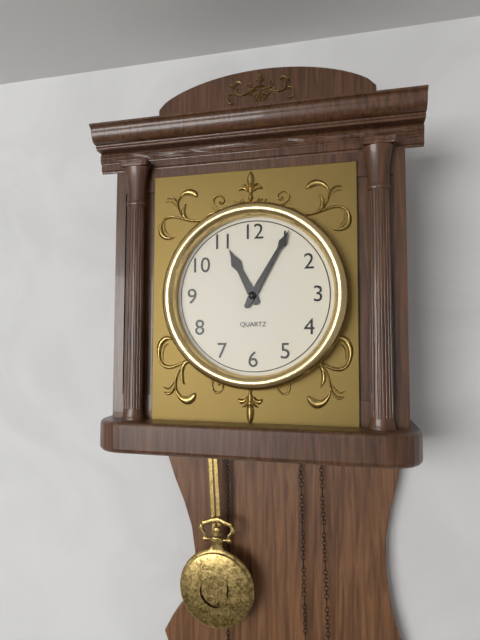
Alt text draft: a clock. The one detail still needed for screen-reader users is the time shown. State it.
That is 11:05
